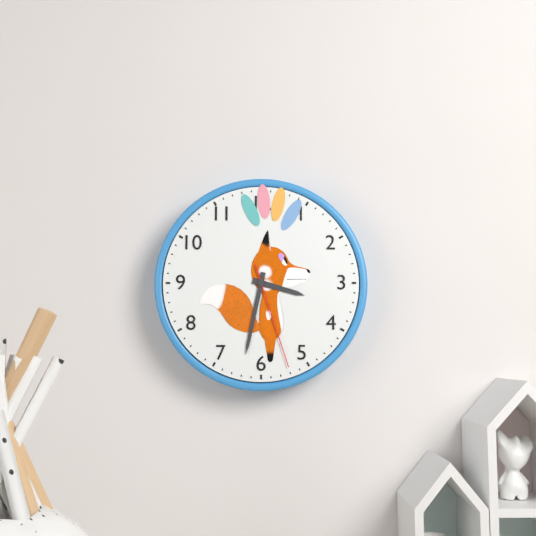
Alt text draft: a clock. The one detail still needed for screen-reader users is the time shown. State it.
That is 3:32:27
